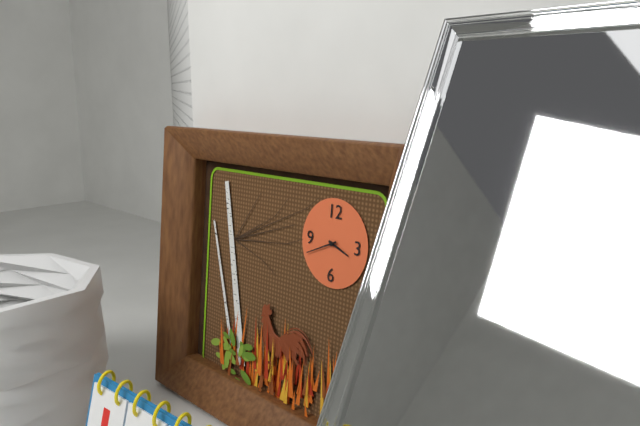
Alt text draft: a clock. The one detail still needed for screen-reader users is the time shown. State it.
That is 3:41
